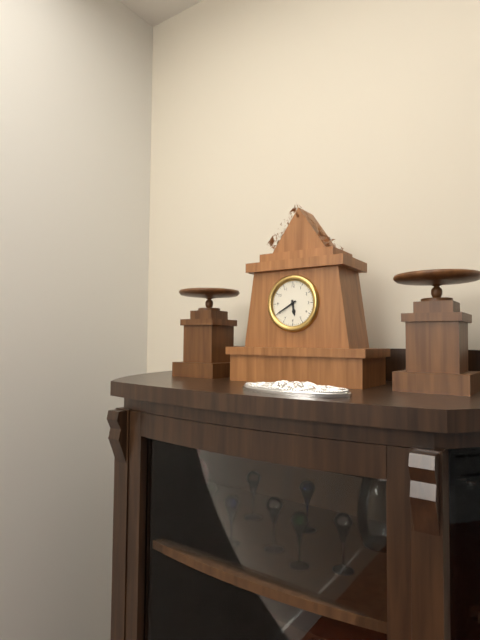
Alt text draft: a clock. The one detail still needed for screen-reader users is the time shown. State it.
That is 5:40
